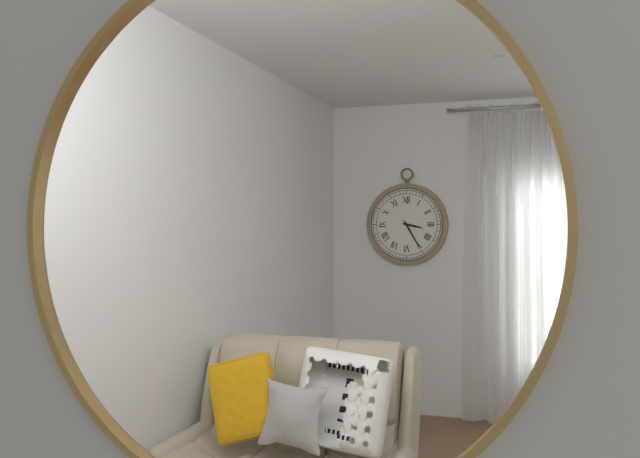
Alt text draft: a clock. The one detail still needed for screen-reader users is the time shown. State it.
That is 3:25
